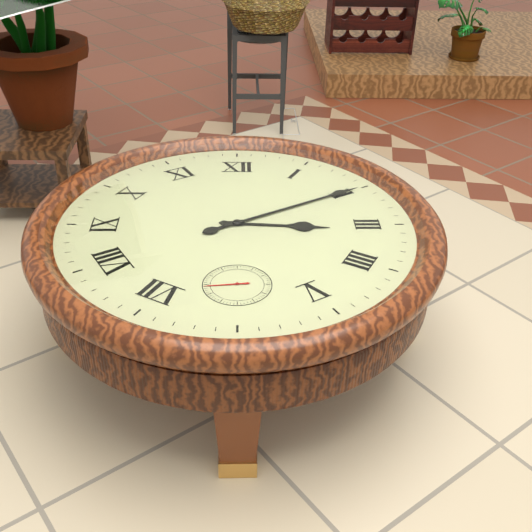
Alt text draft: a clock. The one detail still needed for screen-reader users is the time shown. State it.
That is 3:10
